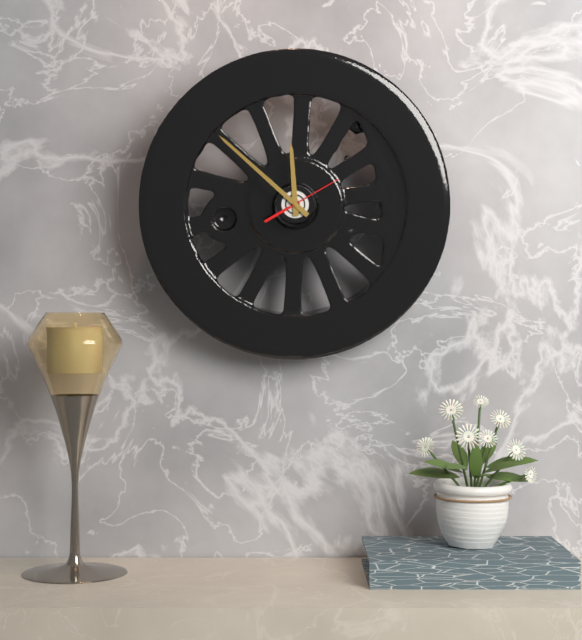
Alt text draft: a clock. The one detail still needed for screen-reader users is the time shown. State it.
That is 11:52:10
